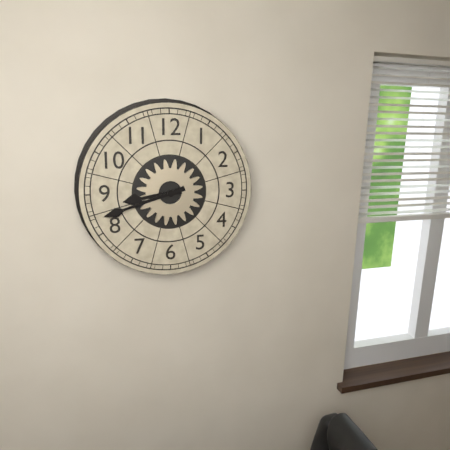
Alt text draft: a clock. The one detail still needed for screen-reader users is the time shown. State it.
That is 8:42
